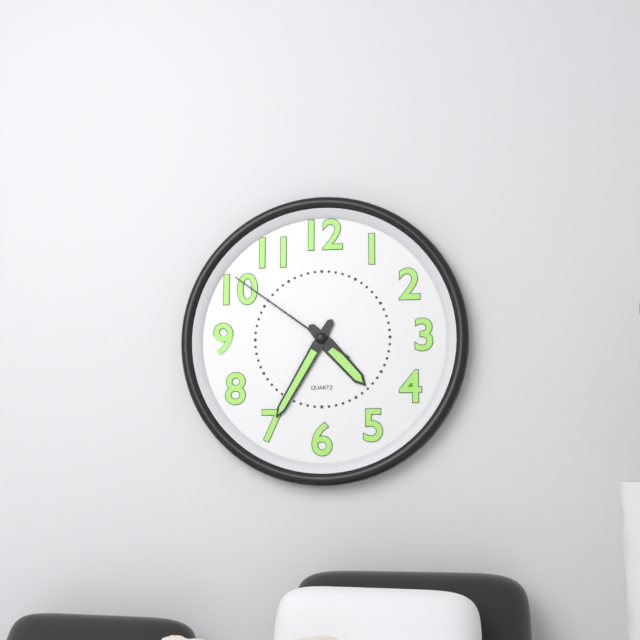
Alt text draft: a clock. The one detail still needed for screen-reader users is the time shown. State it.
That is 4:35:51
